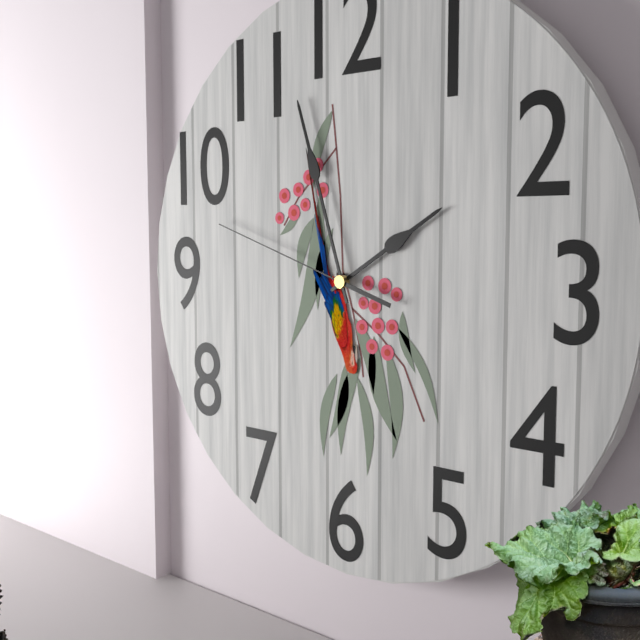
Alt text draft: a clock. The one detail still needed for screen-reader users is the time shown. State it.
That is 1:57:48
